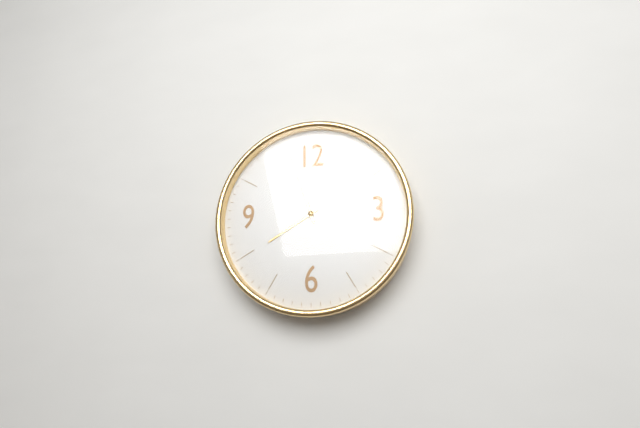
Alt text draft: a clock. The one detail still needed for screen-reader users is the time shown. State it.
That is 7:57
